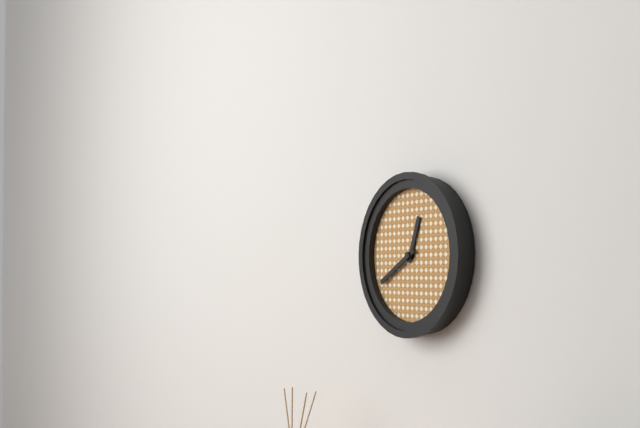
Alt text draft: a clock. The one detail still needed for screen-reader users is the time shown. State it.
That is 12:40
